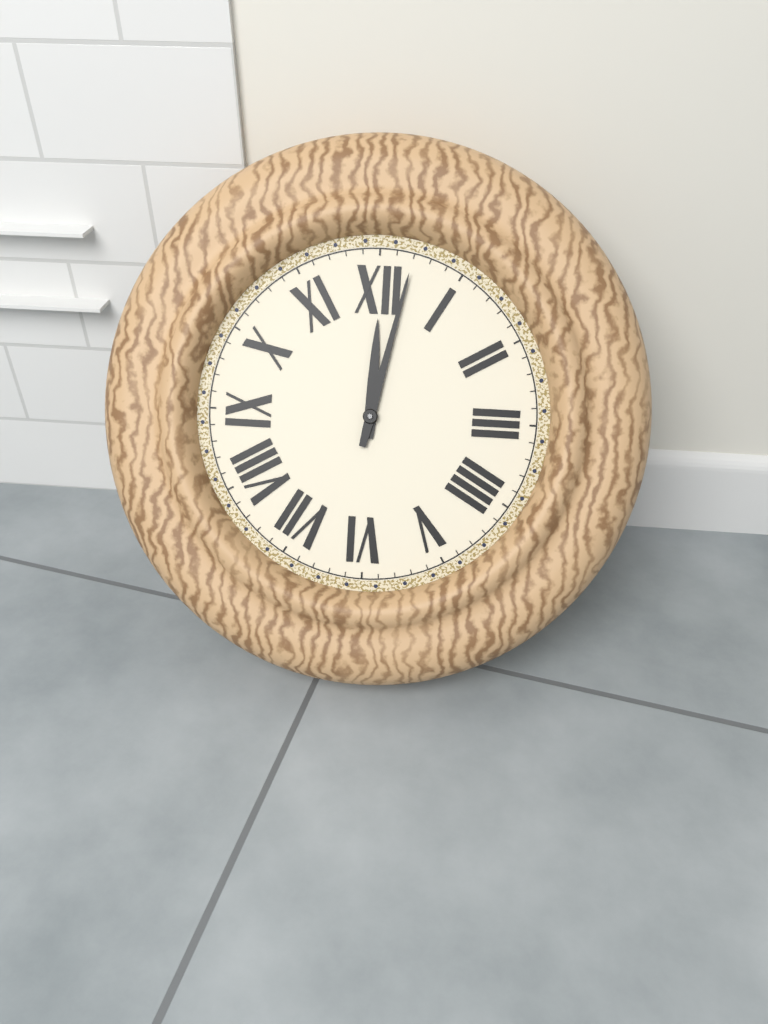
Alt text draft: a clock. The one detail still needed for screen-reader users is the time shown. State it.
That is 12:02
